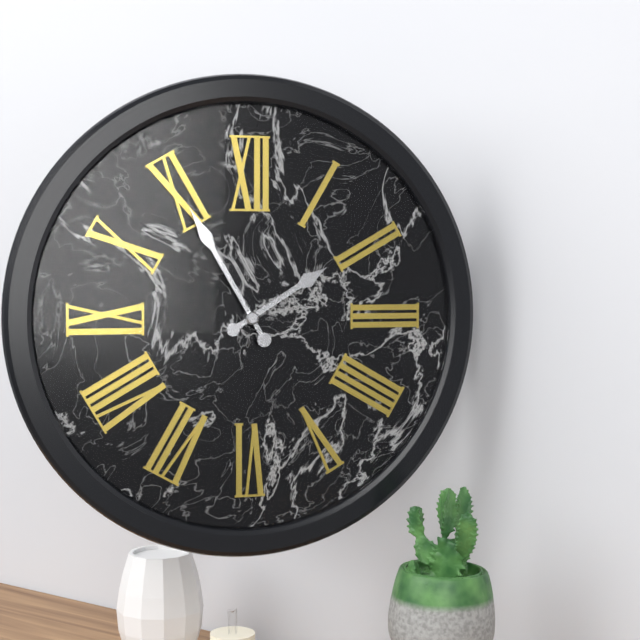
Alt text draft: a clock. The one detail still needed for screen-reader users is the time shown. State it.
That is 1:55
